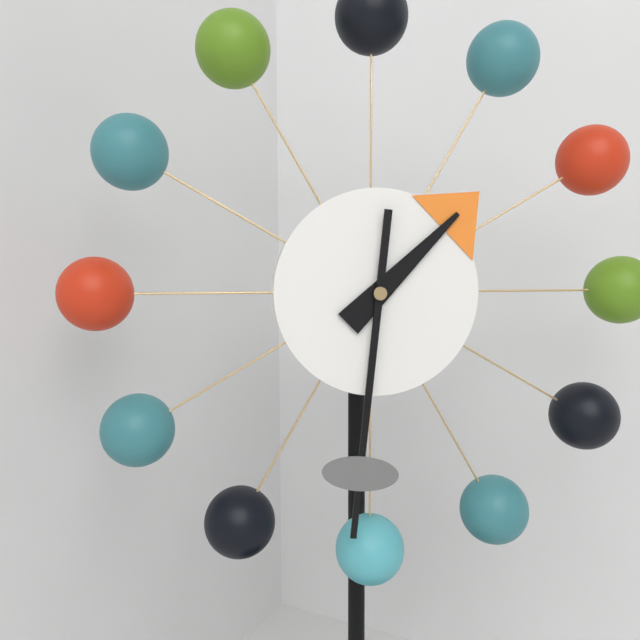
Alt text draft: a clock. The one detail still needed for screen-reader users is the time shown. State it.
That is 1:31
